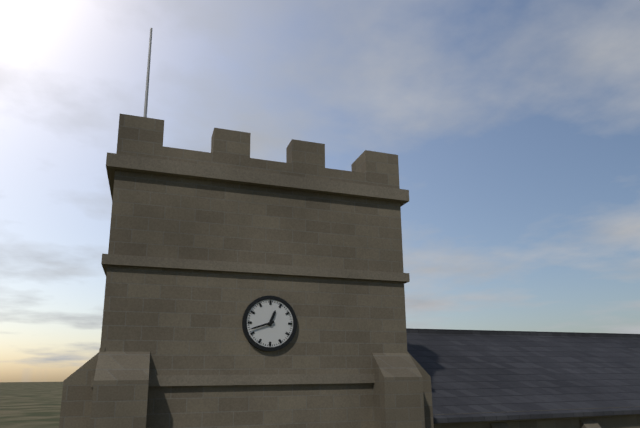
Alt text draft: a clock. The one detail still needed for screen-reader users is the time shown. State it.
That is 12:42
